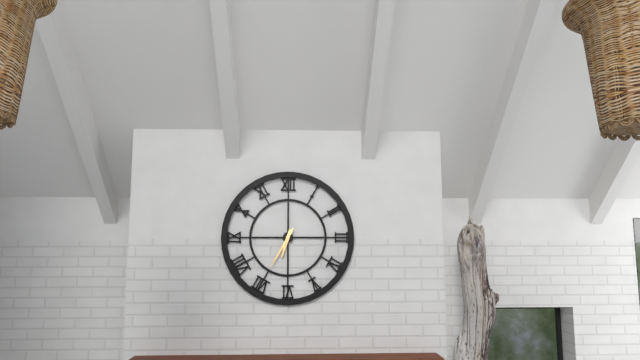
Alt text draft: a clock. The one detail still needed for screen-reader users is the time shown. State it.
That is 6:35
